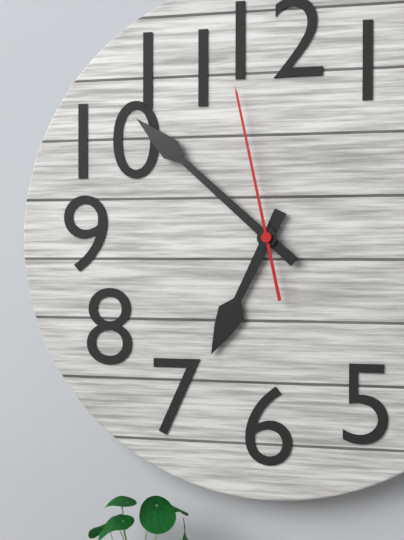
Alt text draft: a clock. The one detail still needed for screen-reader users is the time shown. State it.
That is 6:52:58
